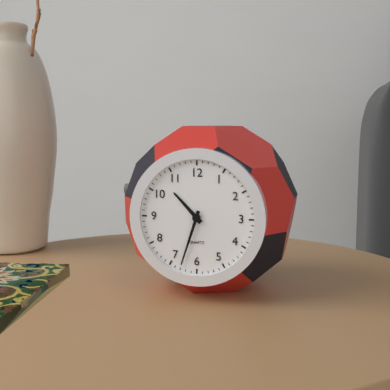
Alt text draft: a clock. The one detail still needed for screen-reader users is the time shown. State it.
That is 10:33
